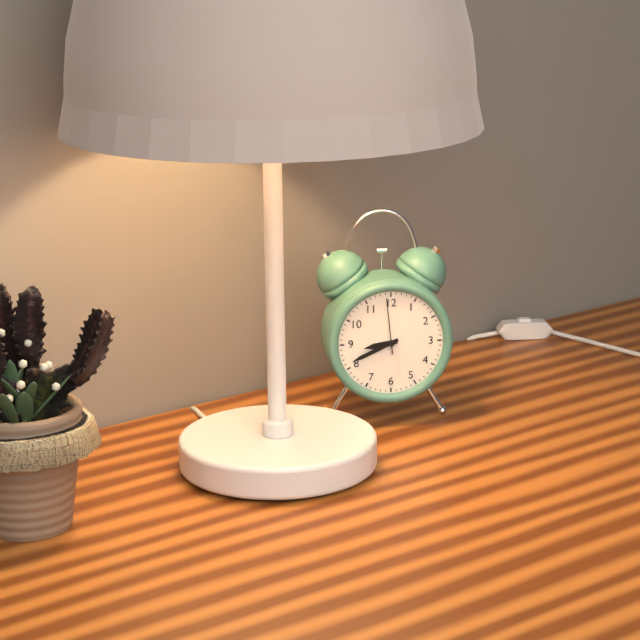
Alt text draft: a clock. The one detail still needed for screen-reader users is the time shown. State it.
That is 8:41:59
